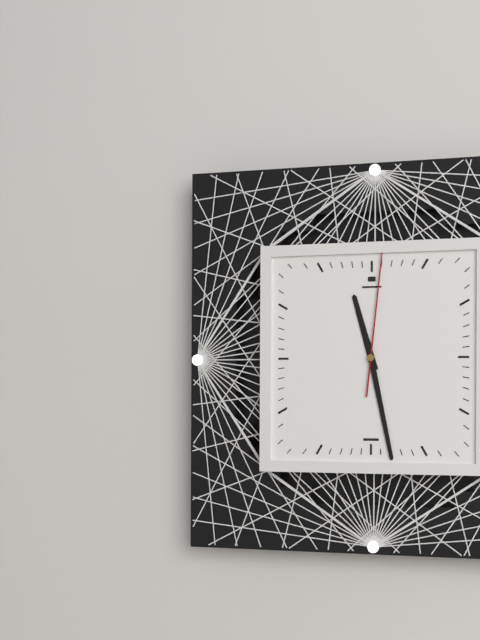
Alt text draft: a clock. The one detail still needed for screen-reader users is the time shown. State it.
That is 11:28:01
